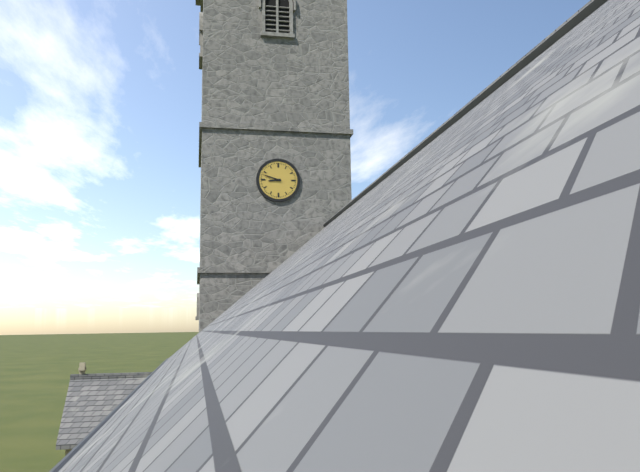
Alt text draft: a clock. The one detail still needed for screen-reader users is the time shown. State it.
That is 8:48
